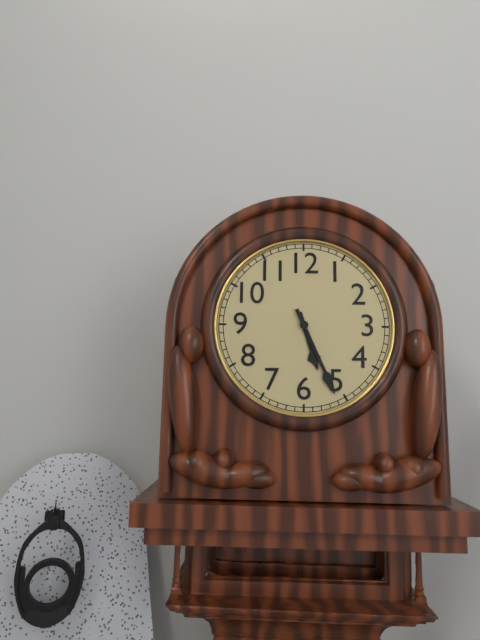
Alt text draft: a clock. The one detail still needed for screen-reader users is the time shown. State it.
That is 5:26
